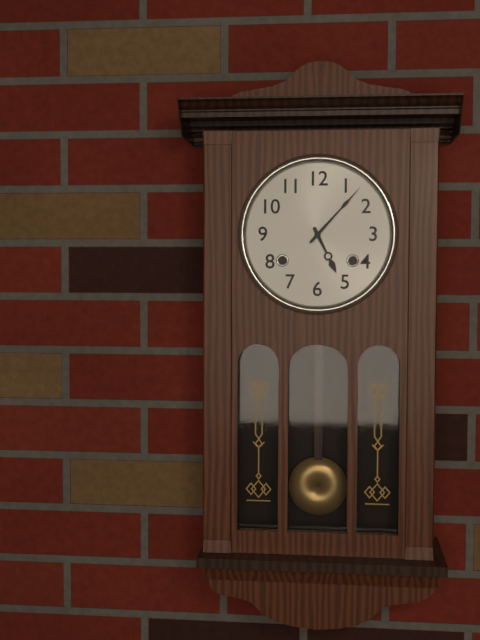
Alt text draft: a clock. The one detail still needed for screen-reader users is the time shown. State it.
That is 5:07
